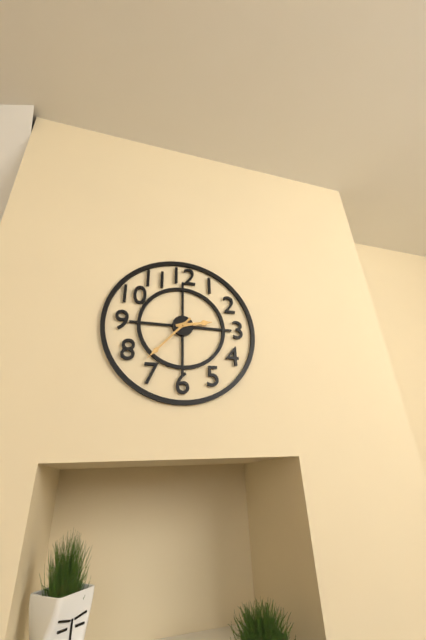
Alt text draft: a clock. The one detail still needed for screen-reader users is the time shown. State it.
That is 2:37
